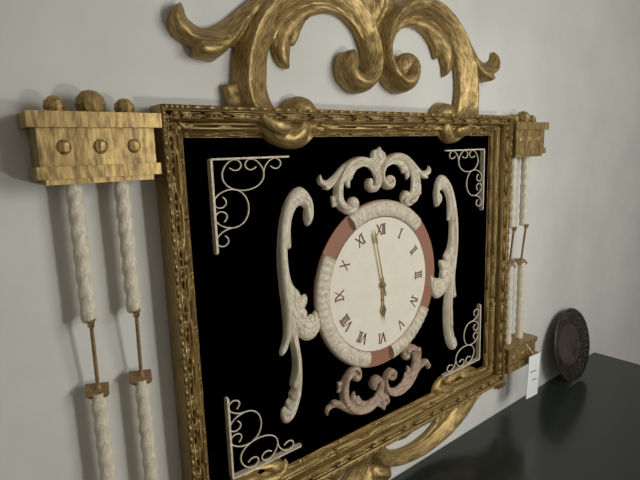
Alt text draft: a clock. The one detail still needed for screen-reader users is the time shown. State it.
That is 5:58
